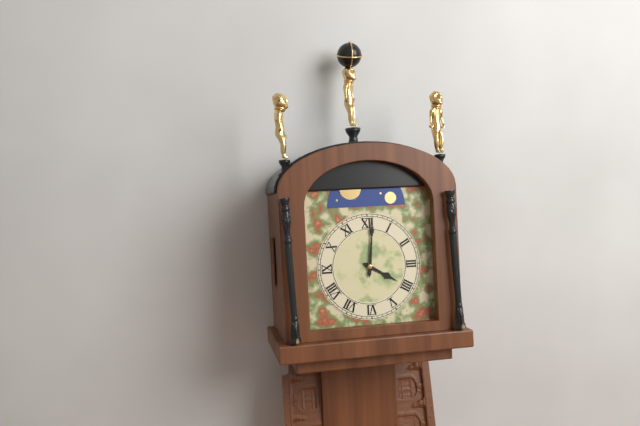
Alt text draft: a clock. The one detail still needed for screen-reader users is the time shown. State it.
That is 4:01
